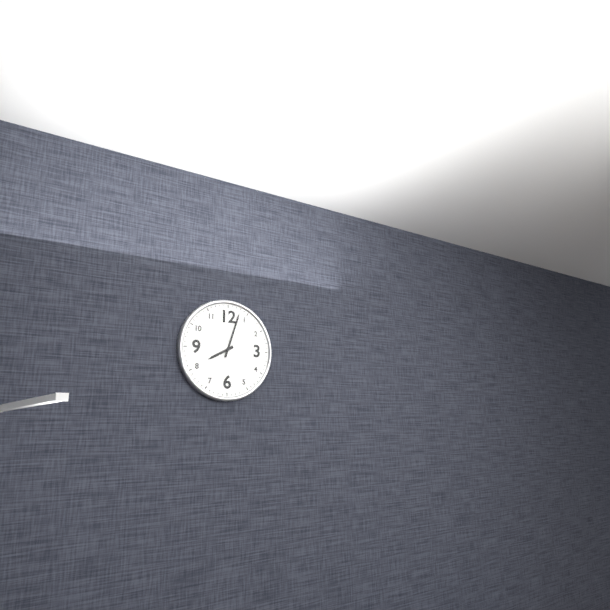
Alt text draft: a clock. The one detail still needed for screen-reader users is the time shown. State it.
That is 8:03
